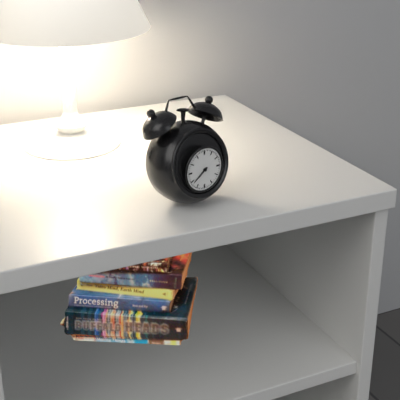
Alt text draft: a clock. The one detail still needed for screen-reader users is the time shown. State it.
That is 7:39
